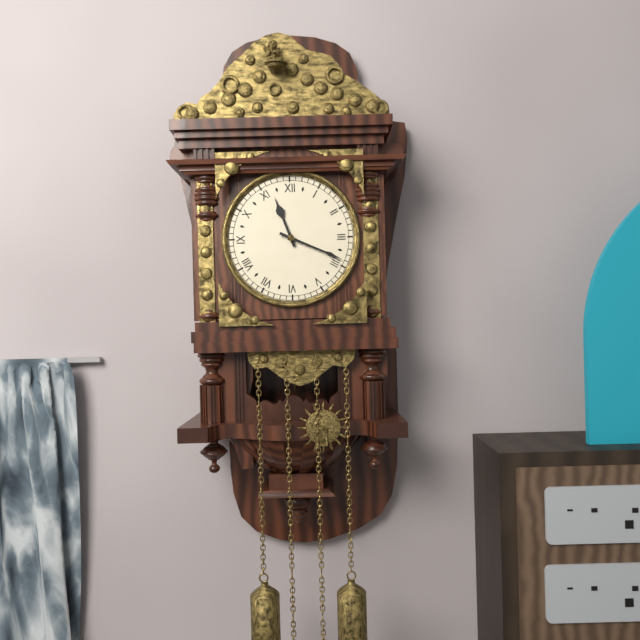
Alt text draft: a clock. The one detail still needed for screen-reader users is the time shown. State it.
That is 11:19
